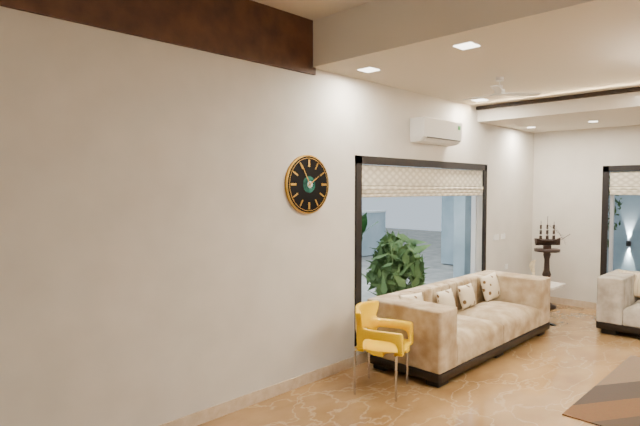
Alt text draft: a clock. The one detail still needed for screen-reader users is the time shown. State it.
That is 1:55
